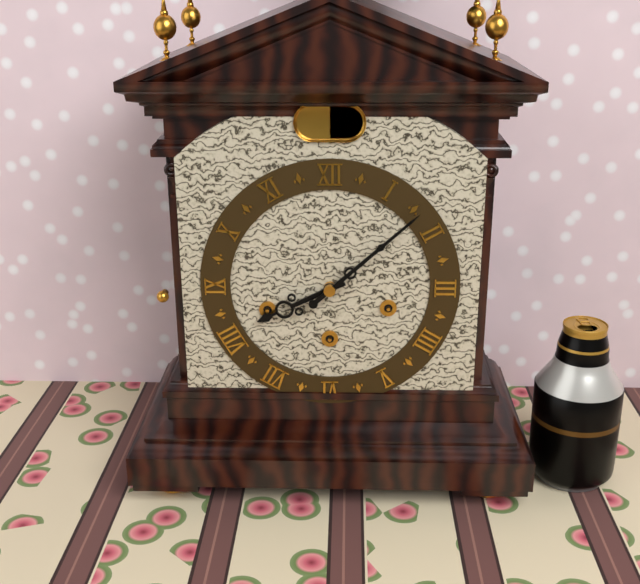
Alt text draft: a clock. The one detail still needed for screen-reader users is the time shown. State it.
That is 8:08
